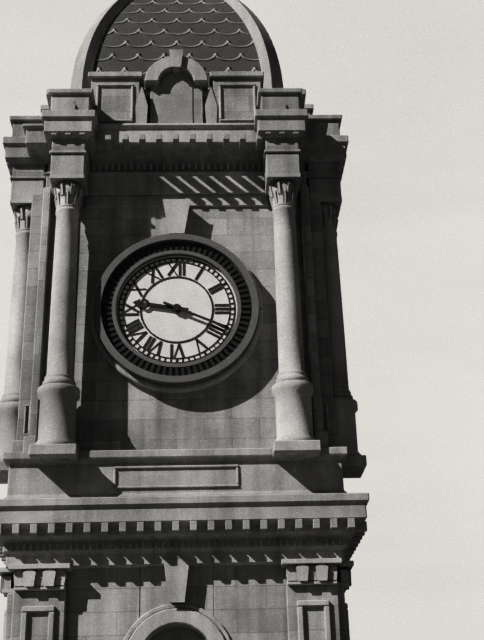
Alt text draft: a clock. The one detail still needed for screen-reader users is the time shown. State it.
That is 9:19
